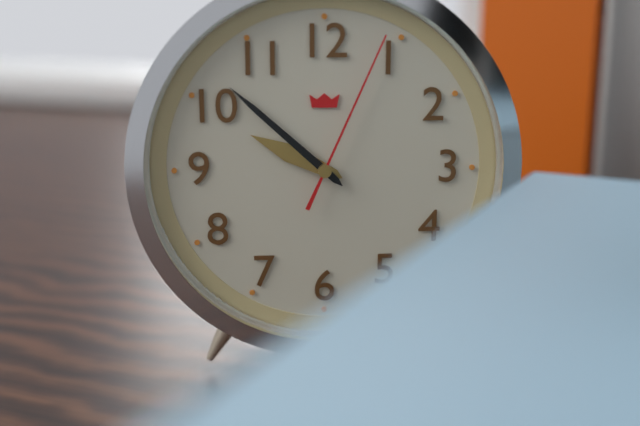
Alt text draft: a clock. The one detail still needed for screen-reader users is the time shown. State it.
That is 9:52:04
